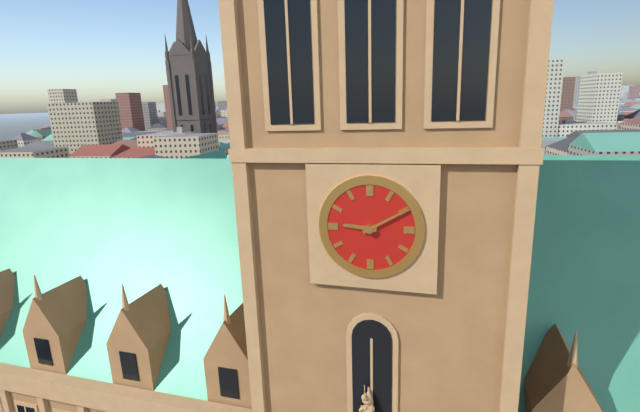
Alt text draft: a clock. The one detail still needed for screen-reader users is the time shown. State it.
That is 9:10
